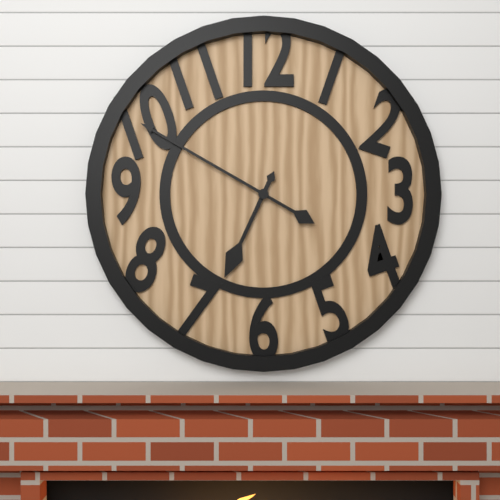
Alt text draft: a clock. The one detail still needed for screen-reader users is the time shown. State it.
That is 6:50
